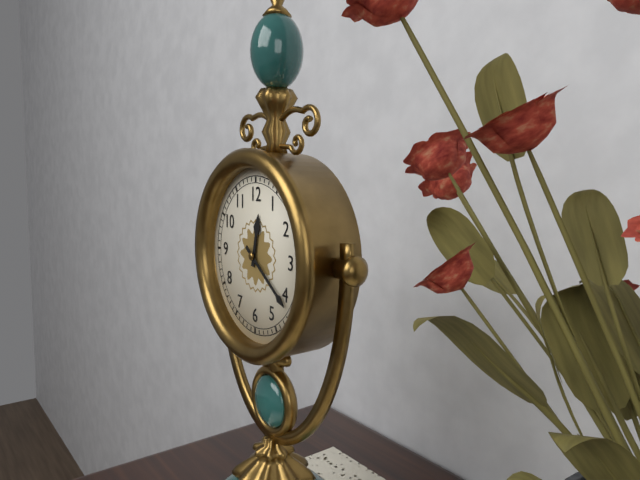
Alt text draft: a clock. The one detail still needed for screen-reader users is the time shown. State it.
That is 12:21
